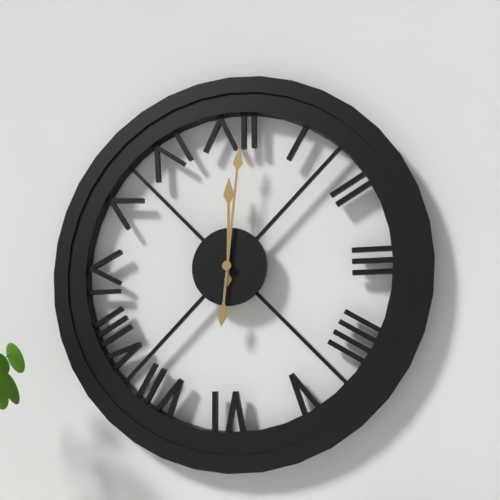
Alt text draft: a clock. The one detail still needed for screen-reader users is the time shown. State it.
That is 12:01
